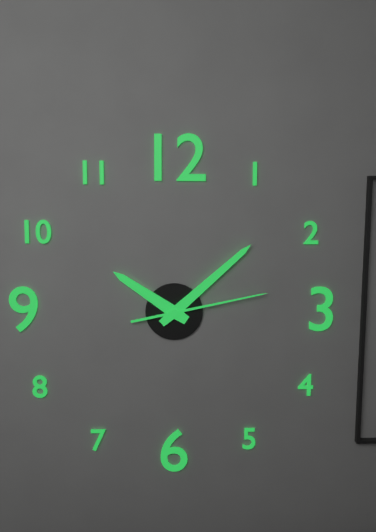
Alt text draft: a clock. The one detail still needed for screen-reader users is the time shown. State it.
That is 10:08:13
